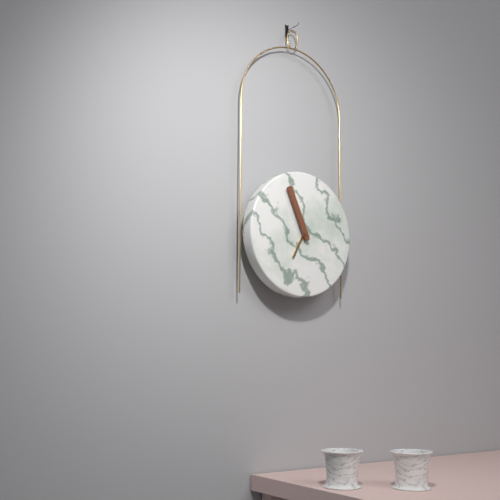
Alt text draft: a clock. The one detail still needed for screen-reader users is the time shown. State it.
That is 6:56
